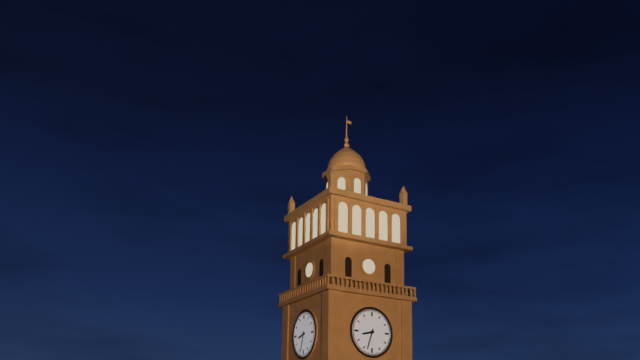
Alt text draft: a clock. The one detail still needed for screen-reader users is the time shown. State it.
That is 8:33
